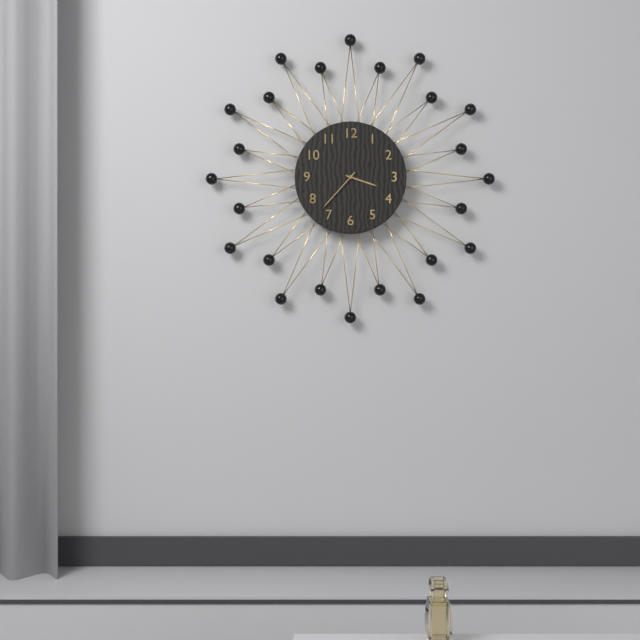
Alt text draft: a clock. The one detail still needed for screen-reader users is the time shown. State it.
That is 3:37
